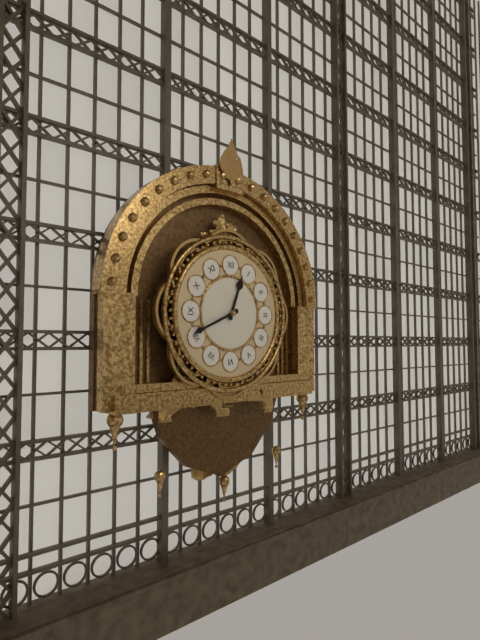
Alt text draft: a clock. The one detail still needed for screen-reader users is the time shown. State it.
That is 12:41
